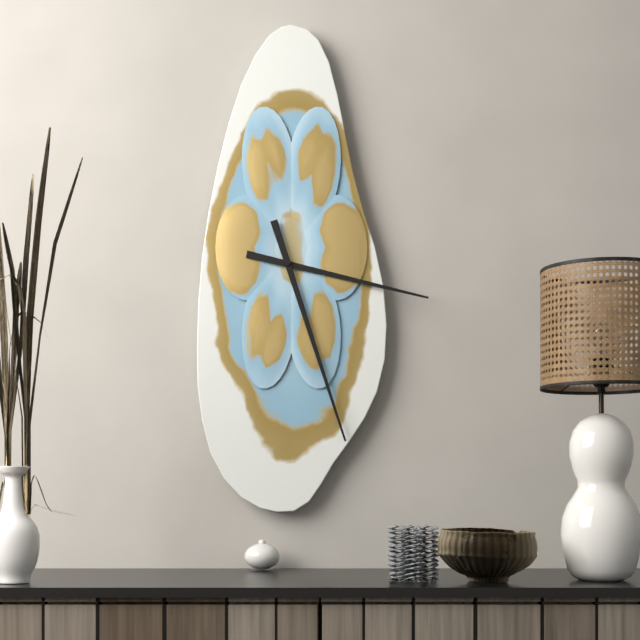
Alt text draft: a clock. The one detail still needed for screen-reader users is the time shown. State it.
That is 3:27
